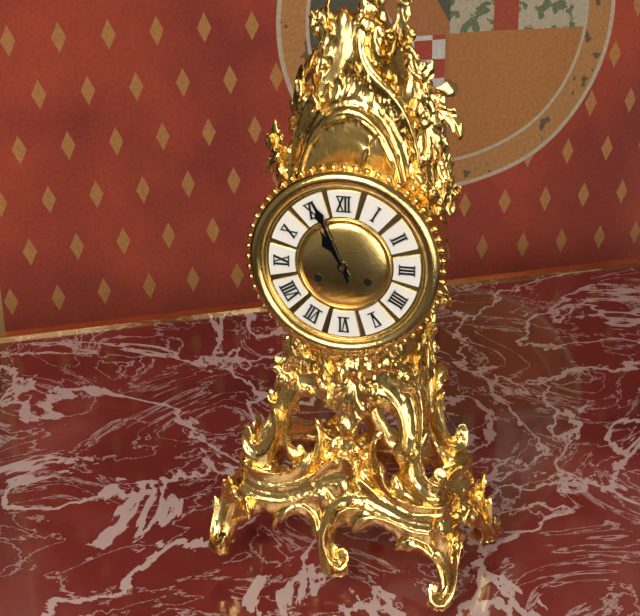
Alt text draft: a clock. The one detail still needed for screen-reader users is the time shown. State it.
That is 10:56
